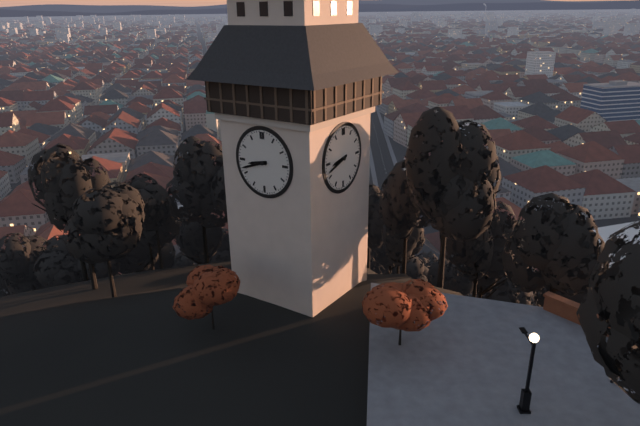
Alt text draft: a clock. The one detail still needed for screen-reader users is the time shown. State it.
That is 8:42
